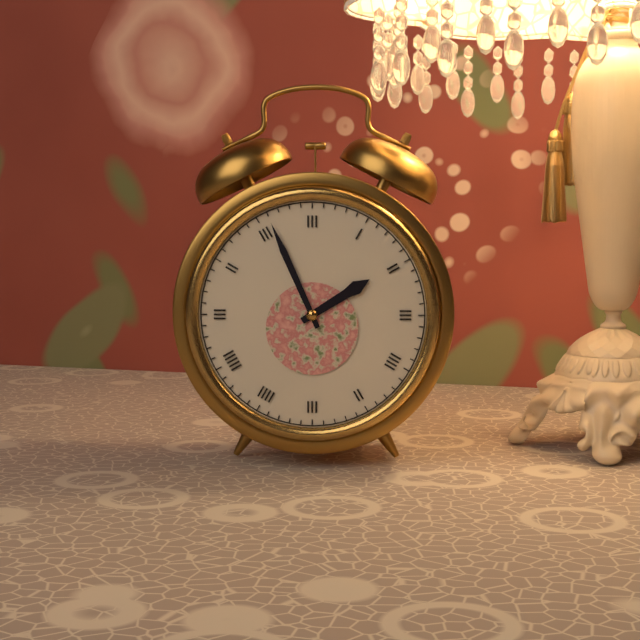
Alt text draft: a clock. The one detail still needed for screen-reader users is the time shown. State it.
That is 1:56
